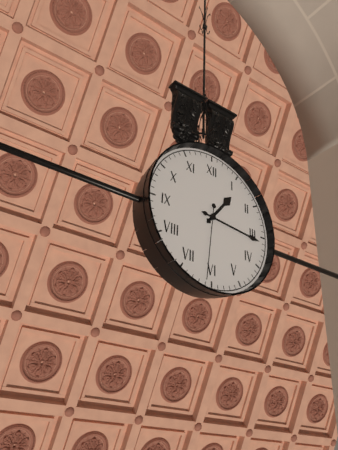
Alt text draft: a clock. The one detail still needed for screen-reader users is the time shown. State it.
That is 1:16:31
